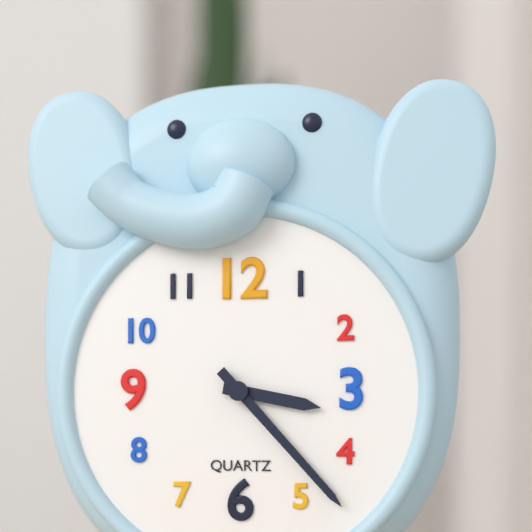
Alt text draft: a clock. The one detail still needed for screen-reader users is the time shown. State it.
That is 3:23
